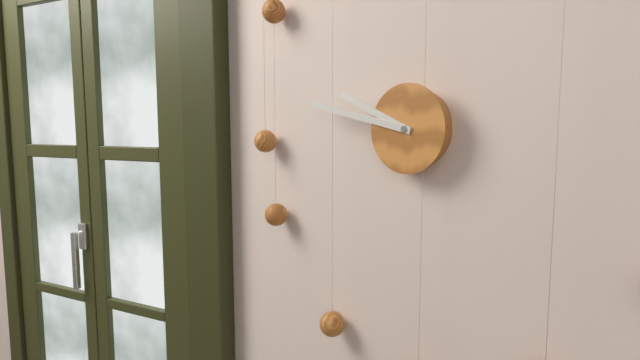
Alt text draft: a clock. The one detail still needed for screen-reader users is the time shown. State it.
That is 9:47
